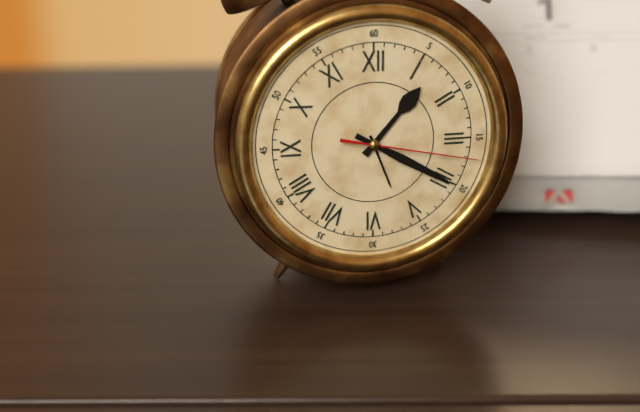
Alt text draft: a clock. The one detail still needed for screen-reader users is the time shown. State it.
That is 1:20:17
